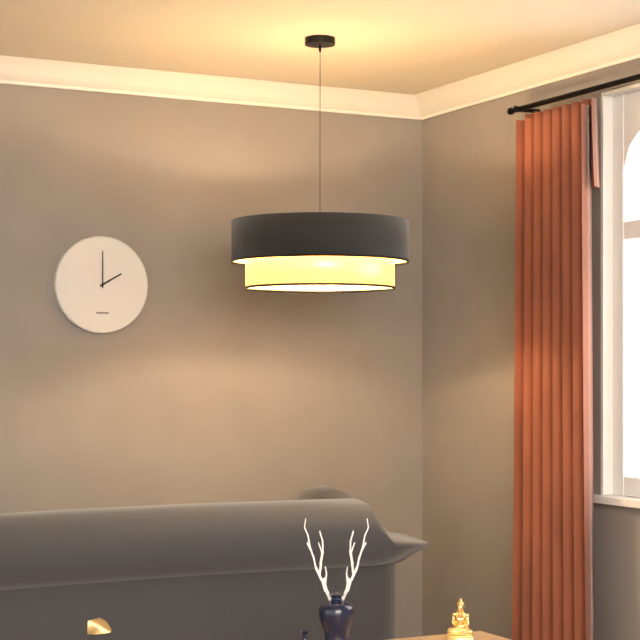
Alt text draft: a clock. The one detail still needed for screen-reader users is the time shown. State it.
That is 2:00
